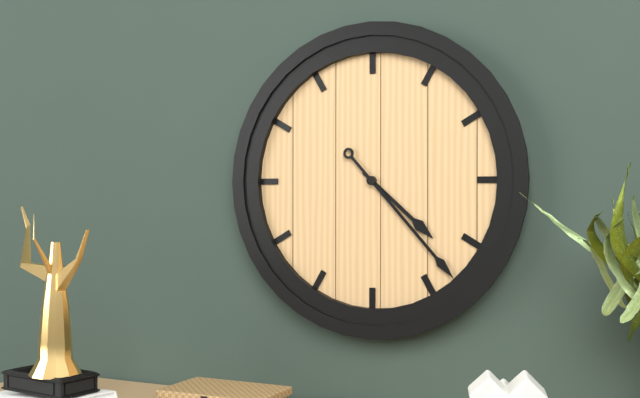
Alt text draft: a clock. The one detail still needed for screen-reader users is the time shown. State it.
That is 4:23
